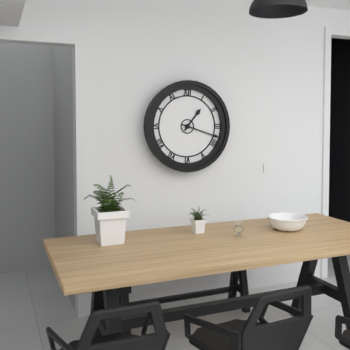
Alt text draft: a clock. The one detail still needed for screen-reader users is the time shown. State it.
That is 1:18
